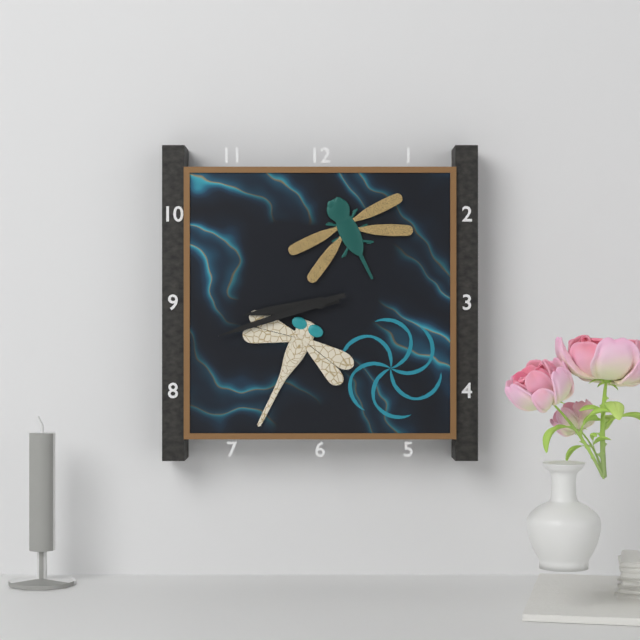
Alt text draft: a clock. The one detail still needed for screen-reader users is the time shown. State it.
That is 8:42
